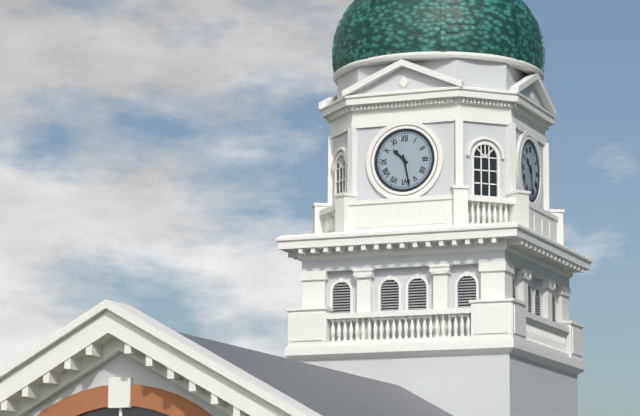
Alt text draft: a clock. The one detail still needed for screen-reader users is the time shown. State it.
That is 10:28
